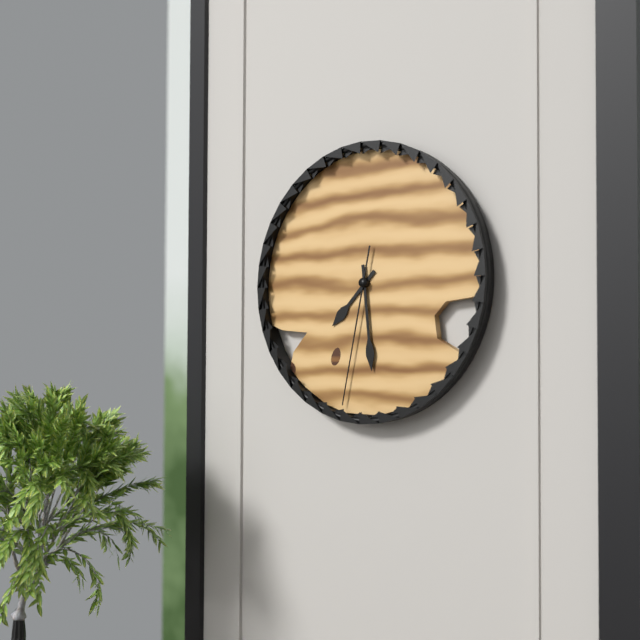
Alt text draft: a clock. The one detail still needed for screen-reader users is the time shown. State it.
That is 7:29:32
